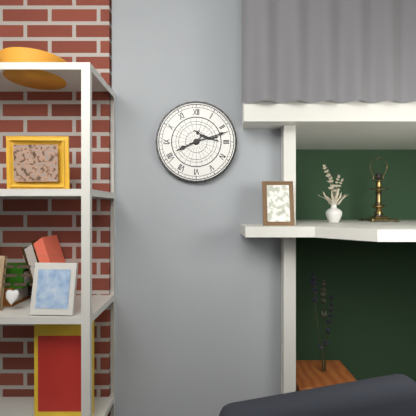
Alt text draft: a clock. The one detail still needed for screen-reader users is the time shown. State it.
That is 8:12
